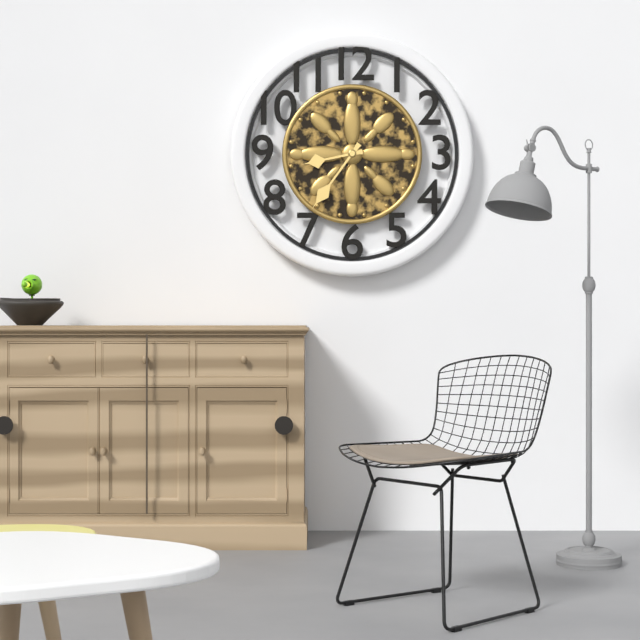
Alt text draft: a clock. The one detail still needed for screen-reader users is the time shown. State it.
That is 8:36
